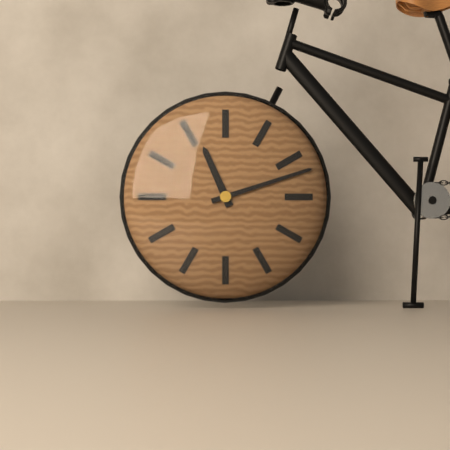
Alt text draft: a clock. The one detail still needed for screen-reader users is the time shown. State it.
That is 11:12
